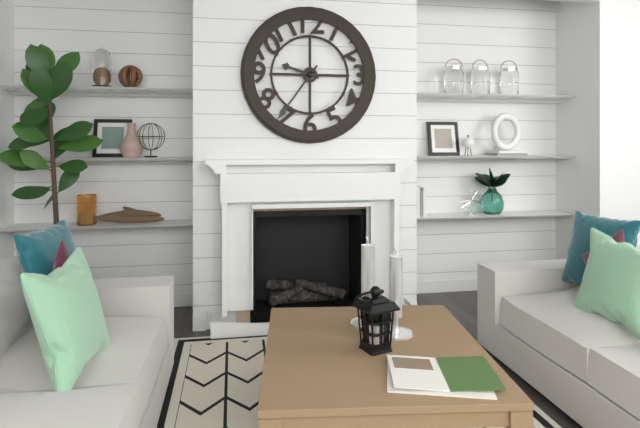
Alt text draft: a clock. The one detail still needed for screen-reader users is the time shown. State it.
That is 9:36
